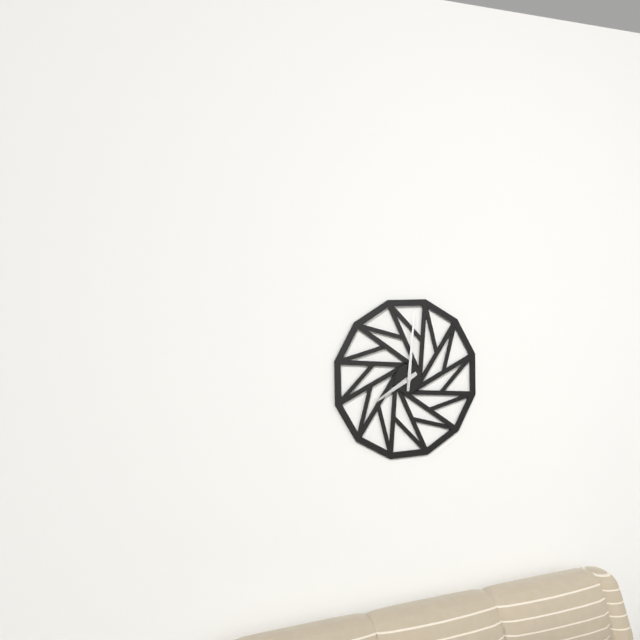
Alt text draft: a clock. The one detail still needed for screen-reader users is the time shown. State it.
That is 8:01
